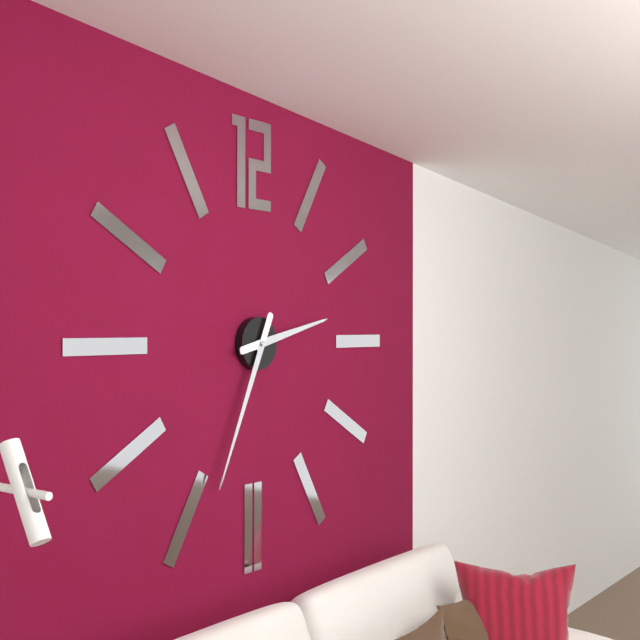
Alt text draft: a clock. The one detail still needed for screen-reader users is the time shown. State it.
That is 2:34
